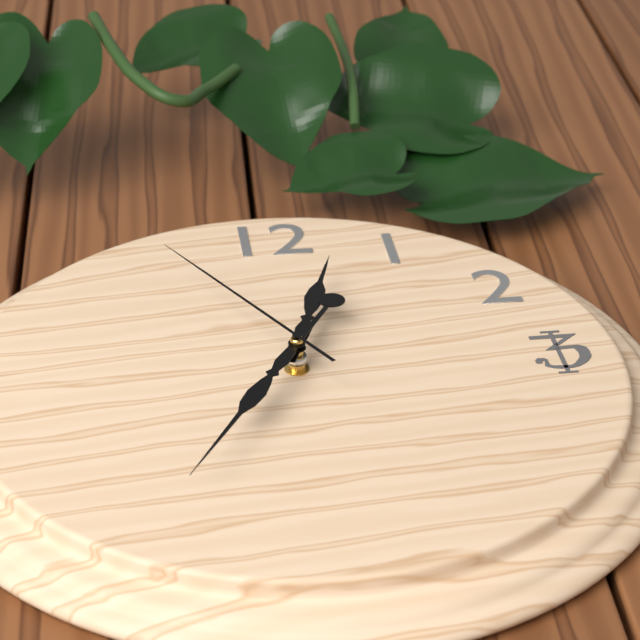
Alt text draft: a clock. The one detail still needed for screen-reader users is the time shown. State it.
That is 12:35:55
